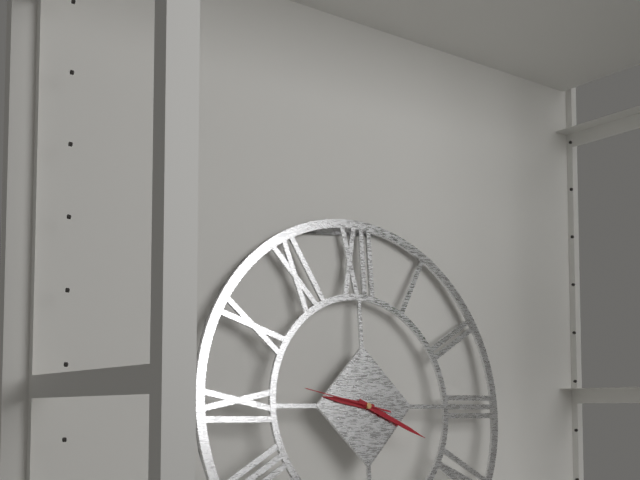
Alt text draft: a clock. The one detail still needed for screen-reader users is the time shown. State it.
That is 9:19:47
